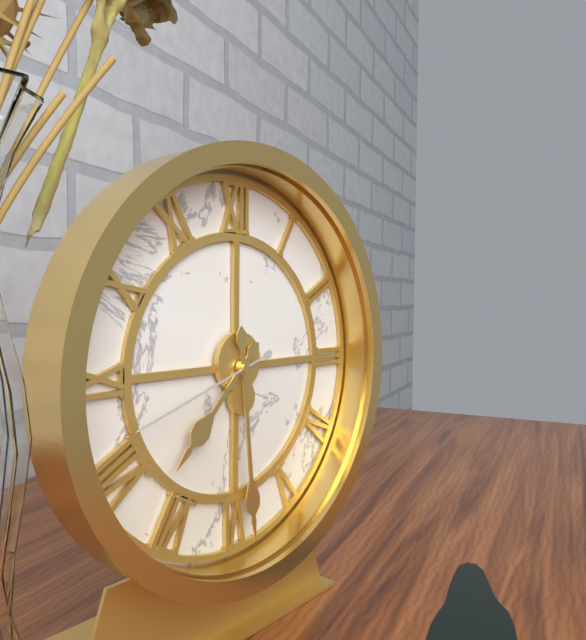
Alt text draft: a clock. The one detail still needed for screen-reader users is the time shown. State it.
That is 7:29:42
